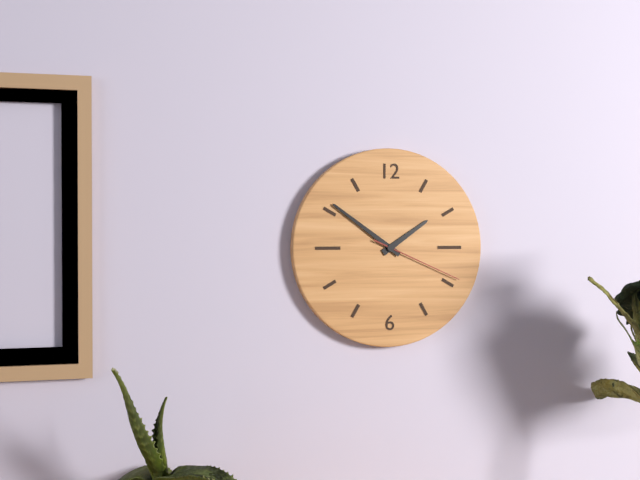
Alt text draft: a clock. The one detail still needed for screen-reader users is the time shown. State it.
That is 1:51:19
